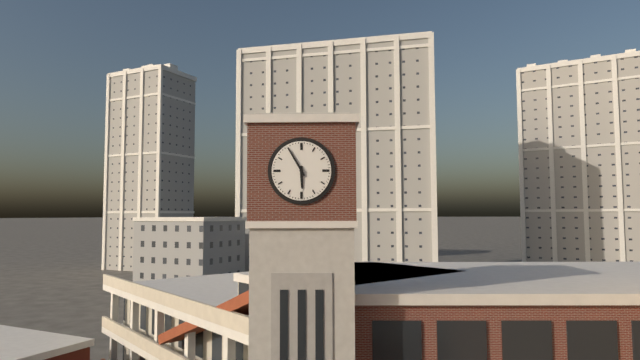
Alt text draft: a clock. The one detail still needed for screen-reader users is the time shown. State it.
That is 5:55
